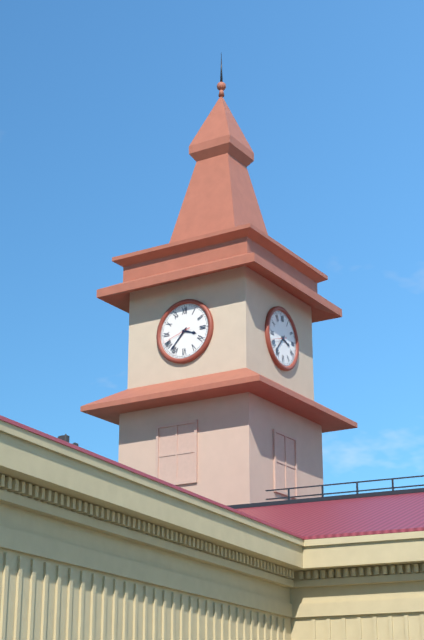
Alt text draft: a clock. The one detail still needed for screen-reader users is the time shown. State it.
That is 3:37
